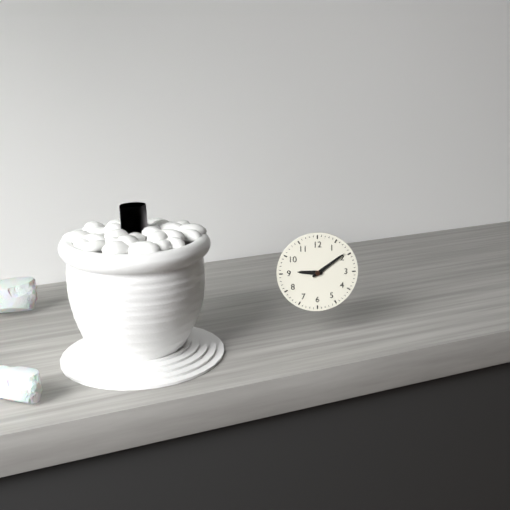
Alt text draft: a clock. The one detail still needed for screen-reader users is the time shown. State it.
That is 9:09
